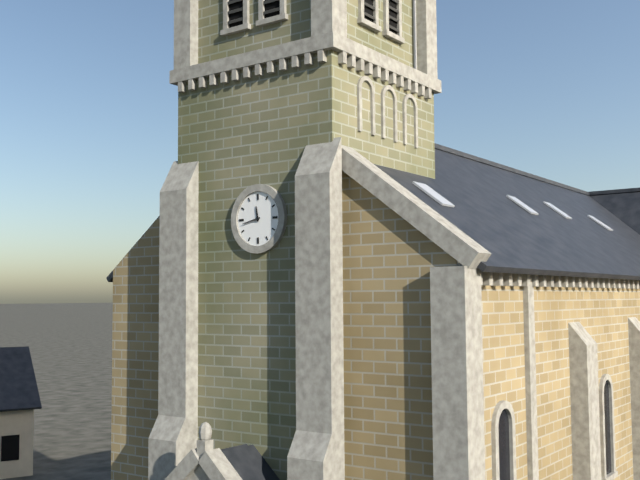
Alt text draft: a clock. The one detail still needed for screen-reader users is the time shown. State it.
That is 11:43
